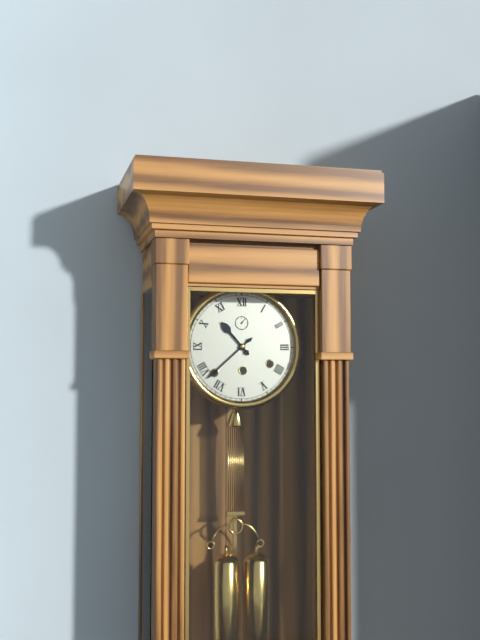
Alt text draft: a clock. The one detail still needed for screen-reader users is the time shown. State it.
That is 10:38
